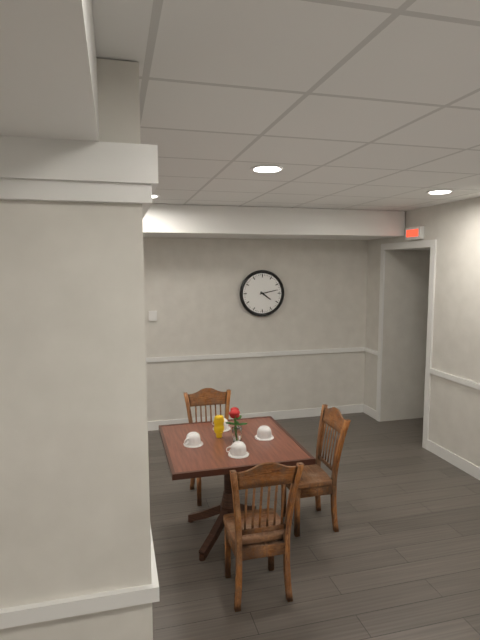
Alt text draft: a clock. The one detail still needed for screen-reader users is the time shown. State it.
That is 4:13
